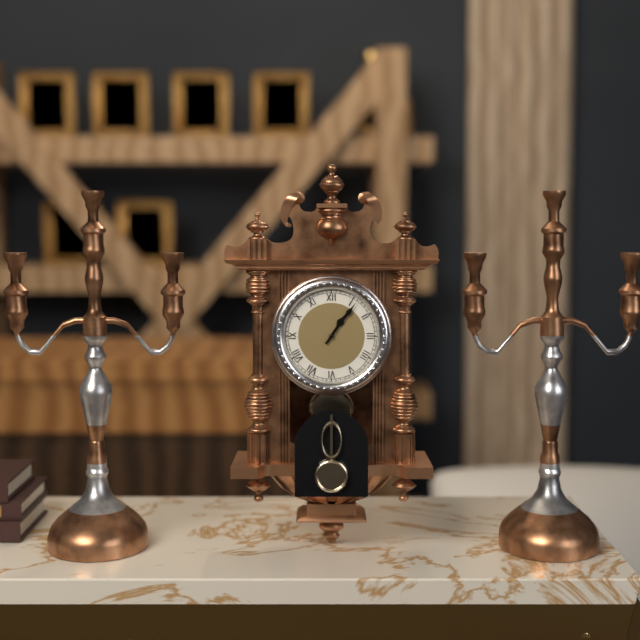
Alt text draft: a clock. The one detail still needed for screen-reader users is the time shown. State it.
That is 1:06
